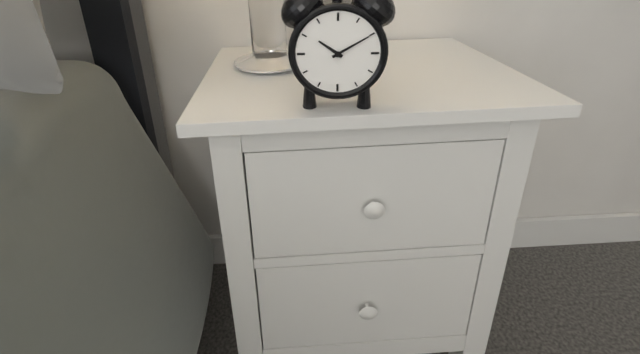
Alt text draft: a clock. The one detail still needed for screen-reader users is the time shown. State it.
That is 10:10
